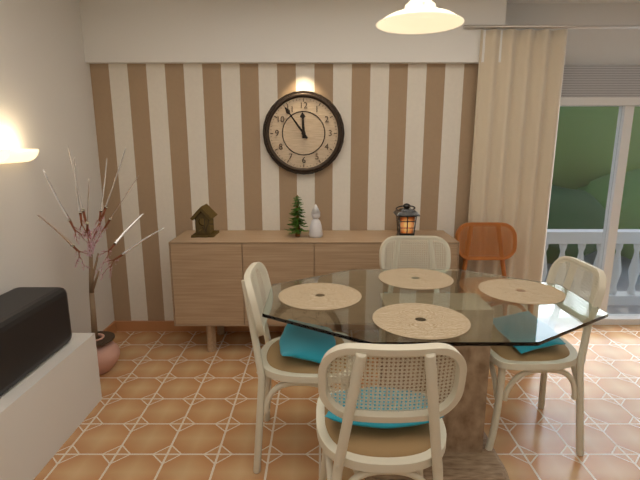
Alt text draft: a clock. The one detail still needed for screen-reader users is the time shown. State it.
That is 11:54
